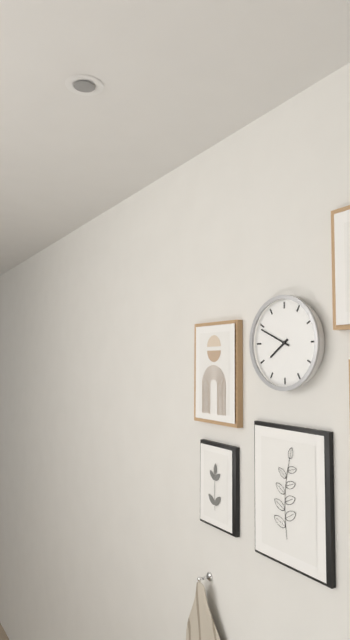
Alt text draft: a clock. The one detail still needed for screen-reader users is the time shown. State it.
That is 7:49
